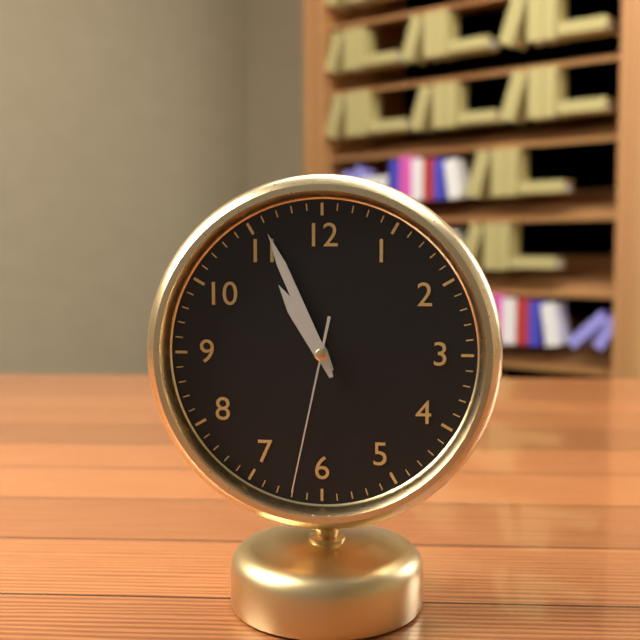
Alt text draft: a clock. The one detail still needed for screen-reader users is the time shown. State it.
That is 10:56:32
